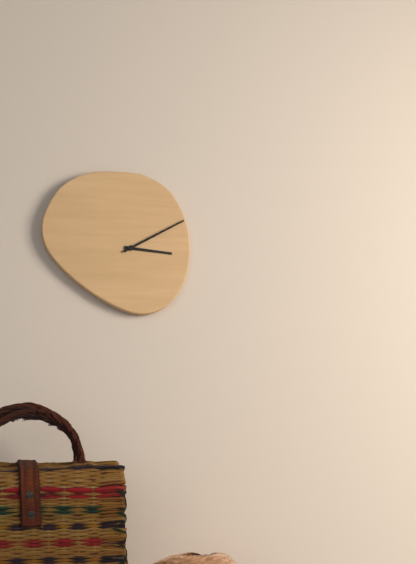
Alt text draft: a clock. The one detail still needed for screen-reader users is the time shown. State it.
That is 3:10
